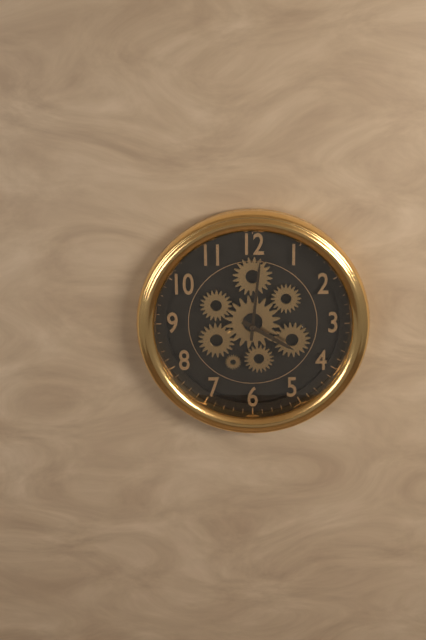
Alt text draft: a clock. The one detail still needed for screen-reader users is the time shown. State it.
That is 4:01
